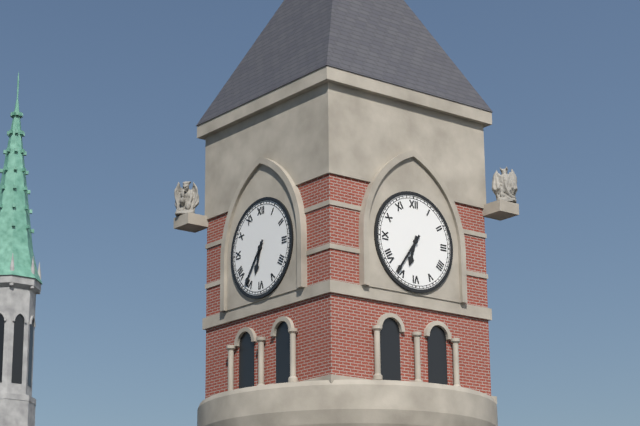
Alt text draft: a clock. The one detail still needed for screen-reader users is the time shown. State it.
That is 6:36
